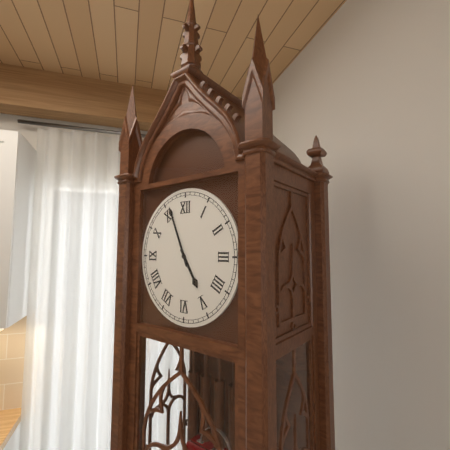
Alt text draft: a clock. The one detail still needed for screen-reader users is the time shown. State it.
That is 4:56
